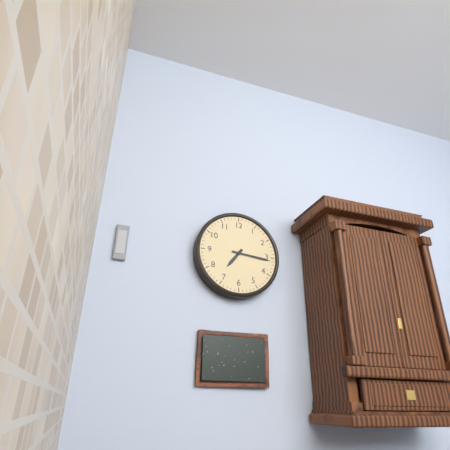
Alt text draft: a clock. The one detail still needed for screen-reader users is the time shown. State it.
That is 7:16
